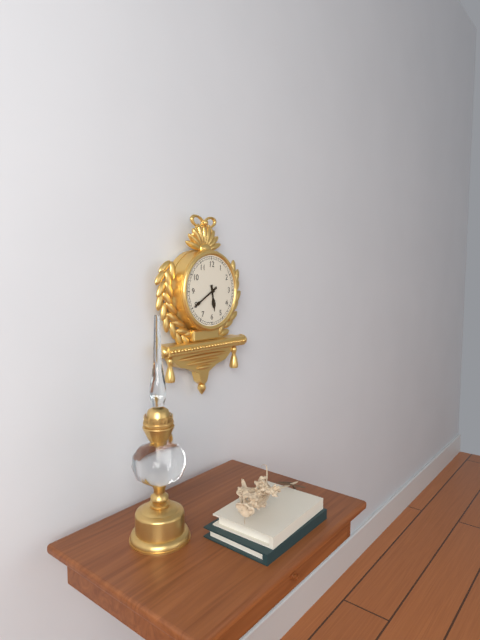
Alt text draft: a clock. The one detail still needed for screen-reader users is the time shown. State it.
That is 5:40
